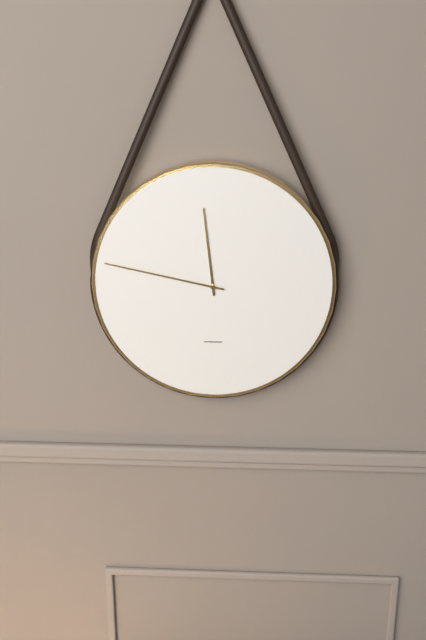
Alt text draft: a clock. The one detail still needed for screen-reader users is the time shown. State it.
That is 11:47
